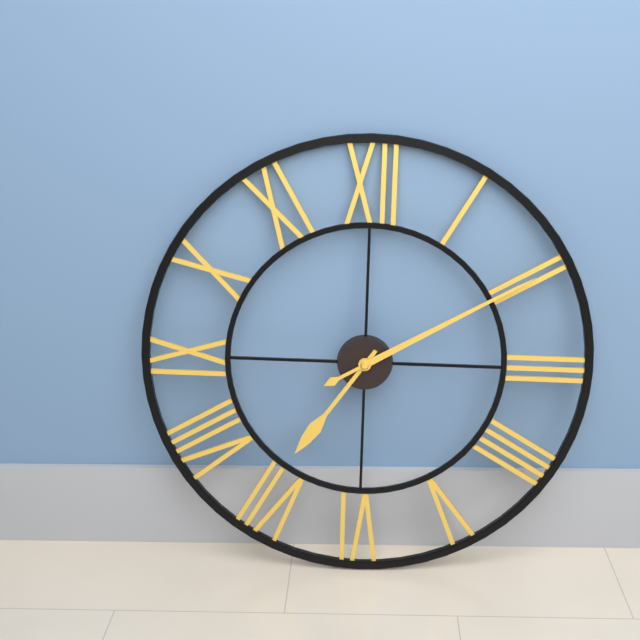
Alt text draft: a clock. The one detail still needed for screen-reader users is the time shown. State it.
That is 7:10
